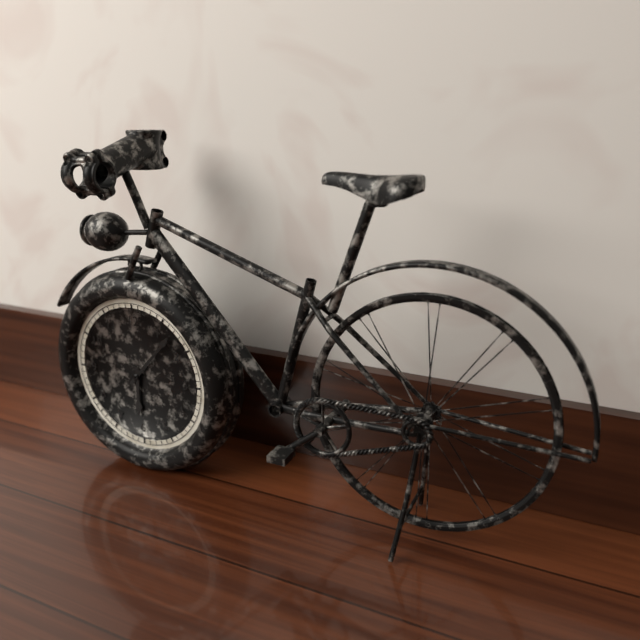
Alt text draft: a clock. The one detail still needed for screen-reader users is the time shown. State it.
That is 6:07
